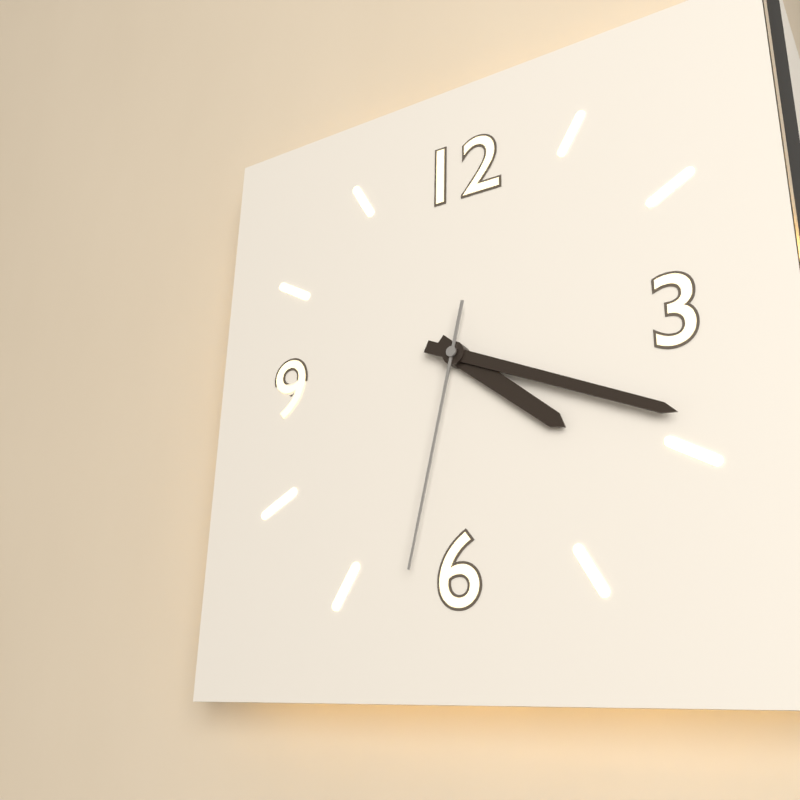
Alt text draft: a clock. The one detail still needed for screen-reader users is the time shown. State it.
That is 4:19:32
